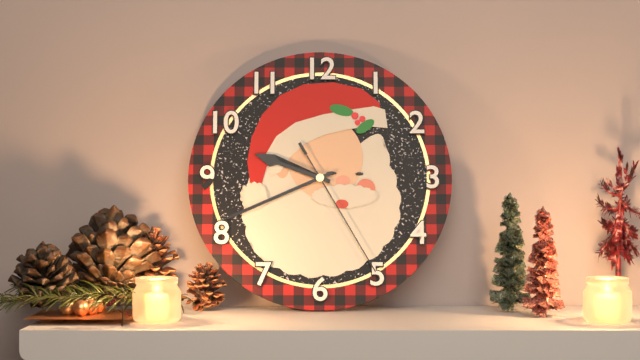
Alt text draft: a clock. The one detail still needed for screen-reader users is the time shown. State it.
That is 9:41:25
